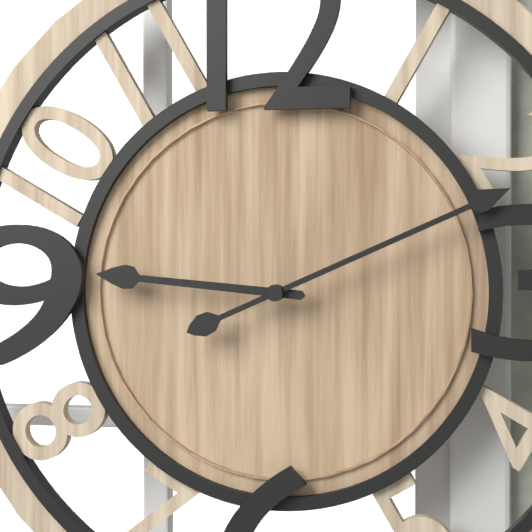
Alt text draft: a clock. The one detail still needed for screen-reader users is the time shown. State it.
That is 9:11
